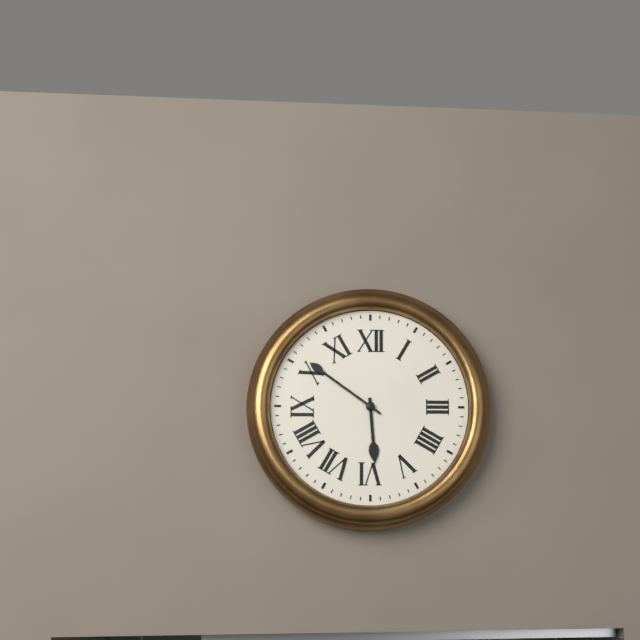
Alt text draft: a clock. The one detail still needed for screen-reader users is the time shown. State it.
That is 5:51
